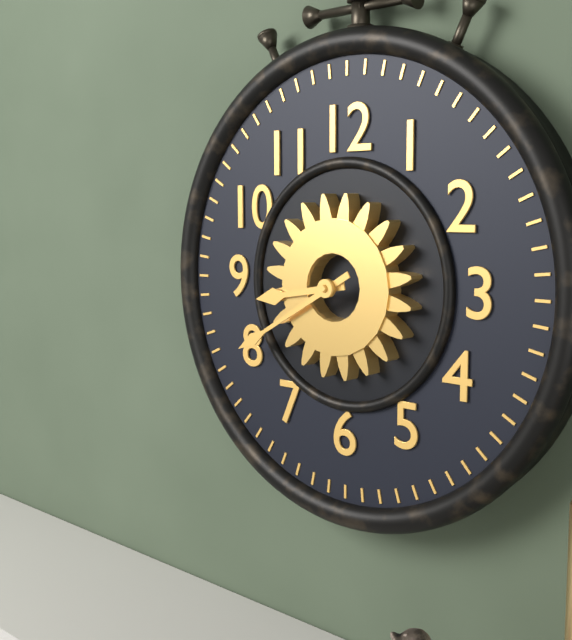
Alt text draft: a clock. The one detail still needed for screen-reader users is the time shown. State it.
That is 8:40
